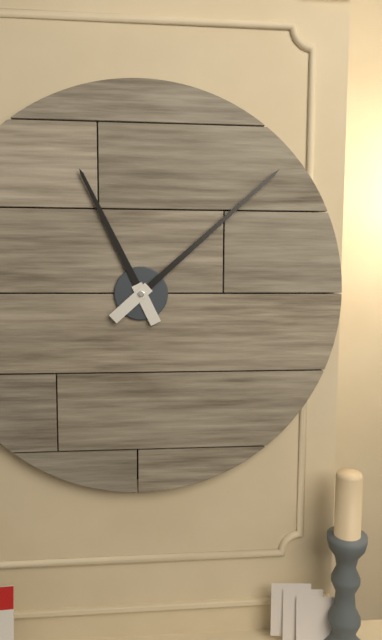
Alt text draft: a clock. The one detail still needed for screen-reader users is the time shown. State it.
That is 11:08
